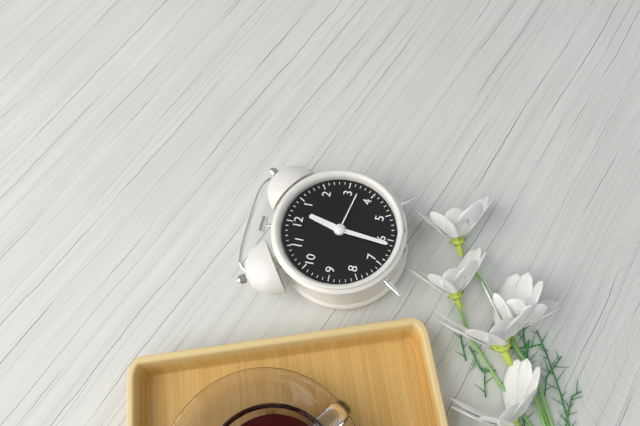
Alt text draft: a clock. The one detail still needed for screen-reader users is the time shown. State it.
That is 12:31:17
